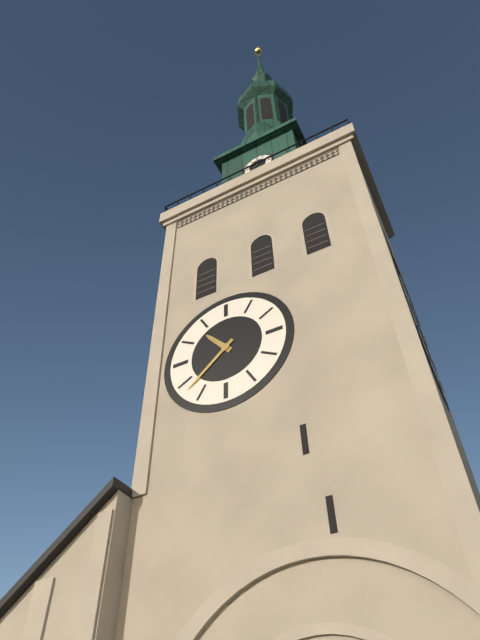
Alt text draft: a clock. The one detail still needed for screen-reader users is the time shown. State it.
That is 10:38
